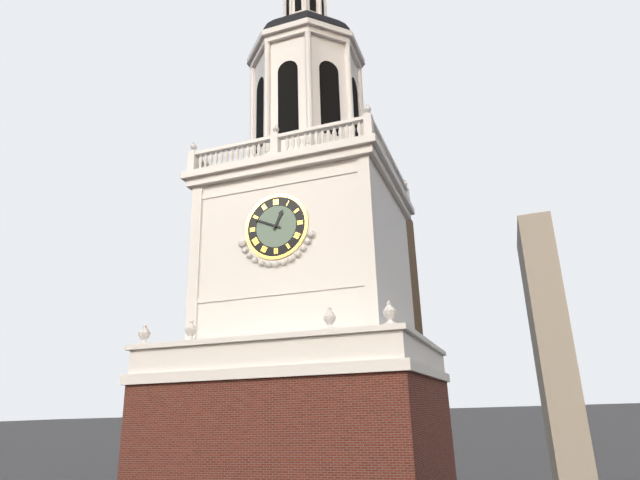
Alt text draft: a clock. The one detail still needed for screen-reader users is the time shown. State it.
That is 12:49
